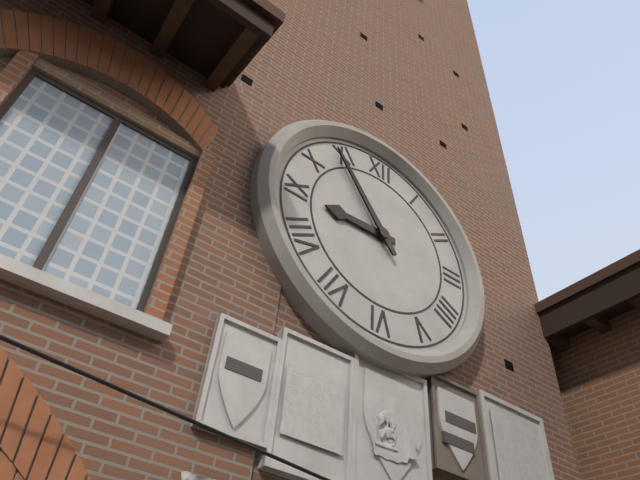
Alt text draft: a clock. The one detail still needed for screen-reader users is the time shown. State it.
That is 8:54
